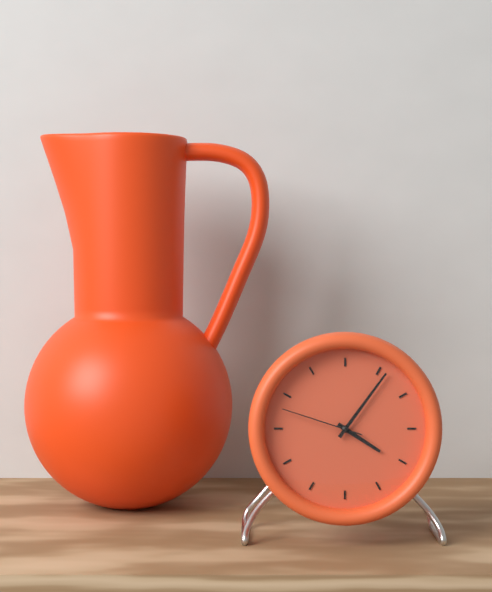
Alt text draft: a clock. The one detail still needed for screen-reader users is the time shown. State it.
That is 4:06:48
